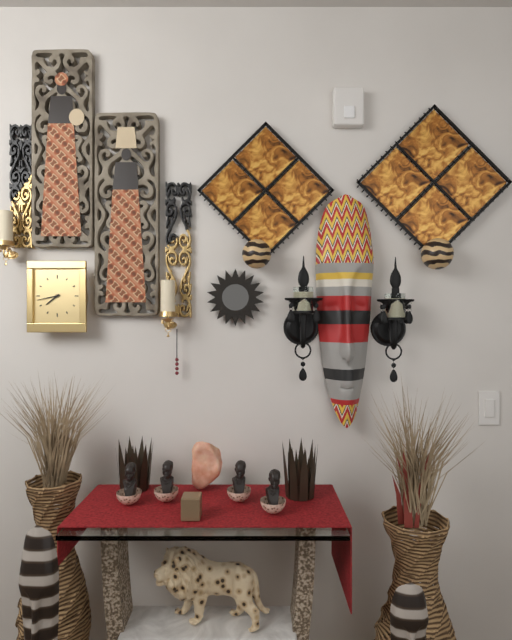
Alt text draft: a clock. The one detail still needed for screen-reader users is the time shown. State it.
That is 7:43
